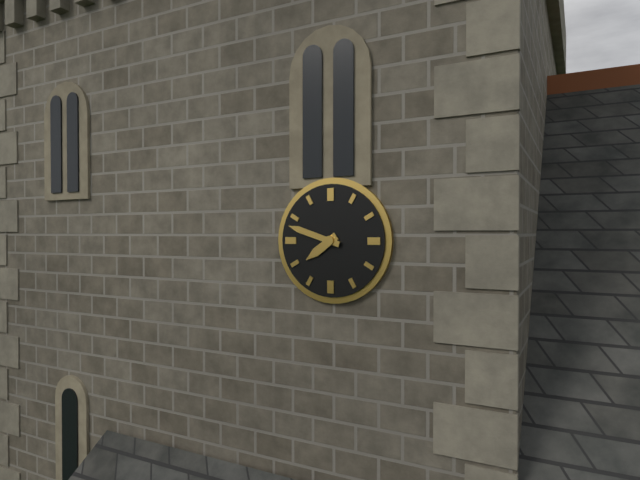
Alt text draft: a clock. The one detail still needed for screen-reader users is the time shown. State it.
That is 7:48
